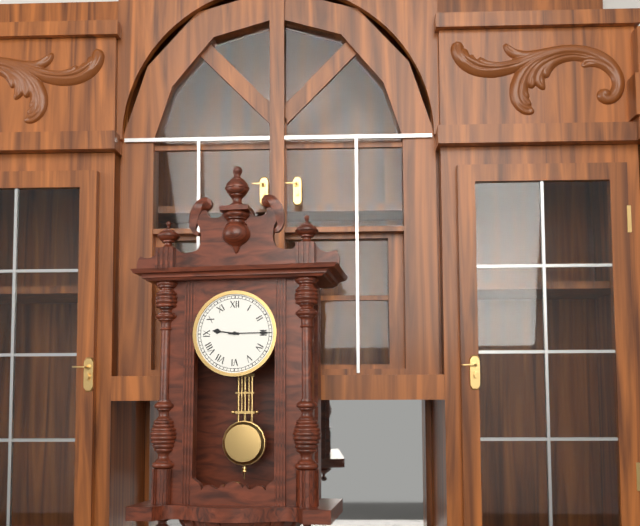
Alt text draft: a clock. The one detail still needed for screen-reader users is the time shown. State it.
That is 9:15
